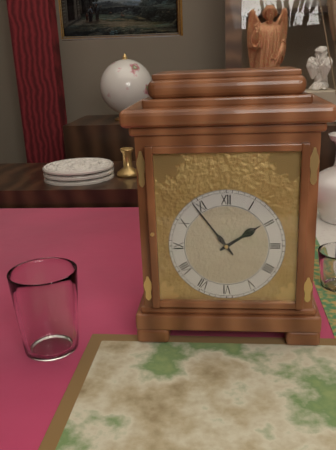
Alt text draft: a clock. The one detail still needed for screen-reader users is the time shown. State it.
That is 1:54
